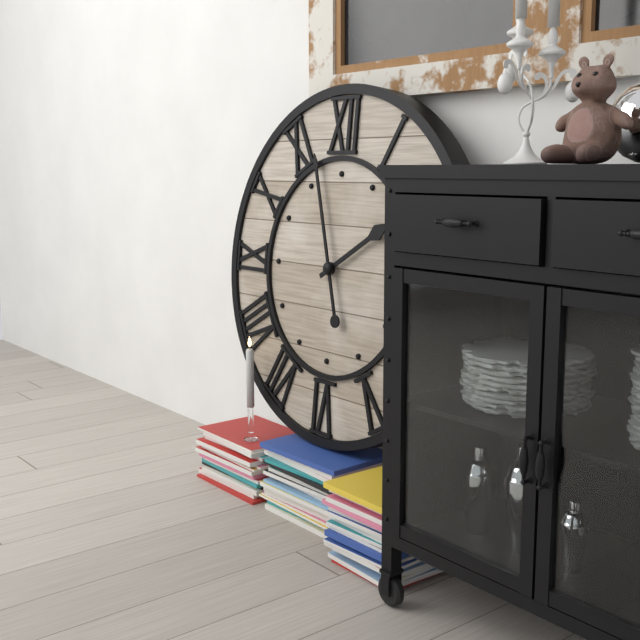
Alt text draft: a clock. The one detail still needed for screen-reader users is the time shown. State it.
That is 1:57
